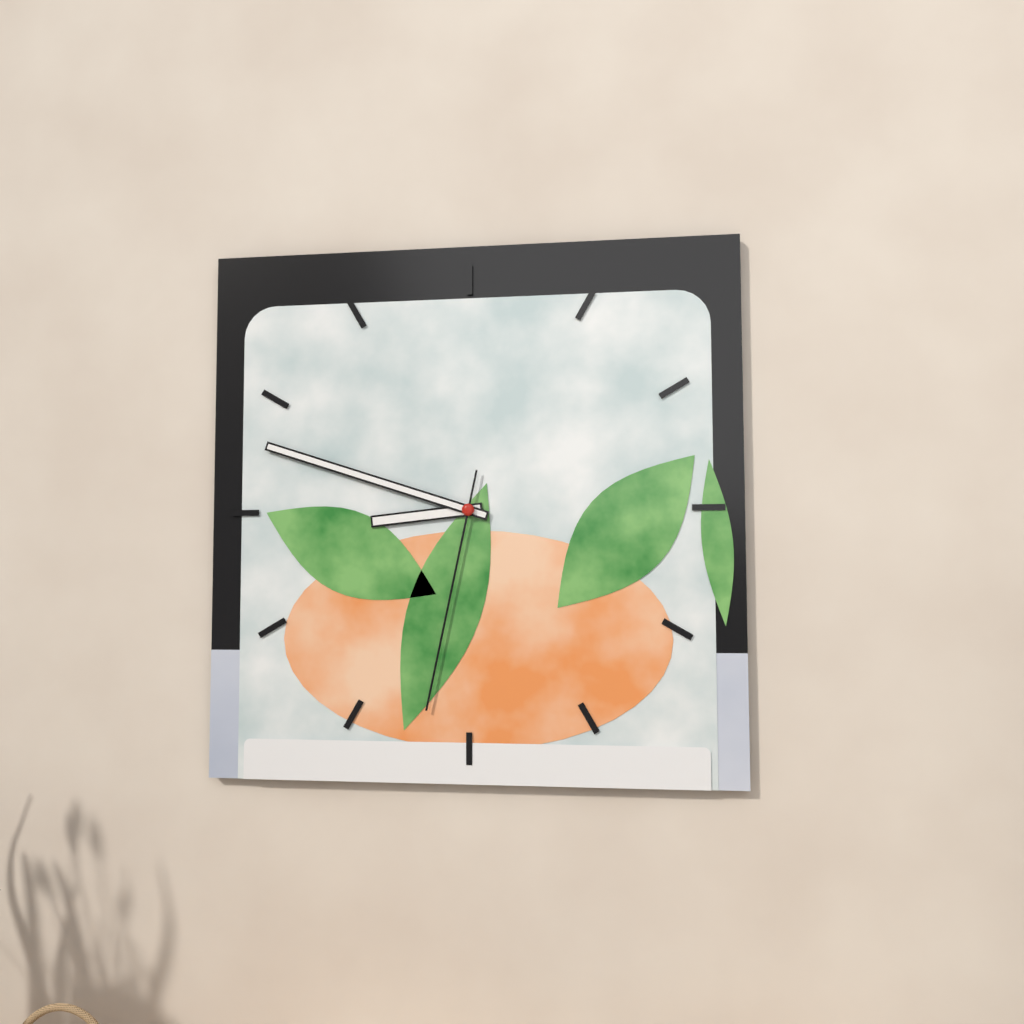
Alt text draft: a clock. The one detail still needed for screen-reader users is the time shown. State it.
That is 8:48:32
